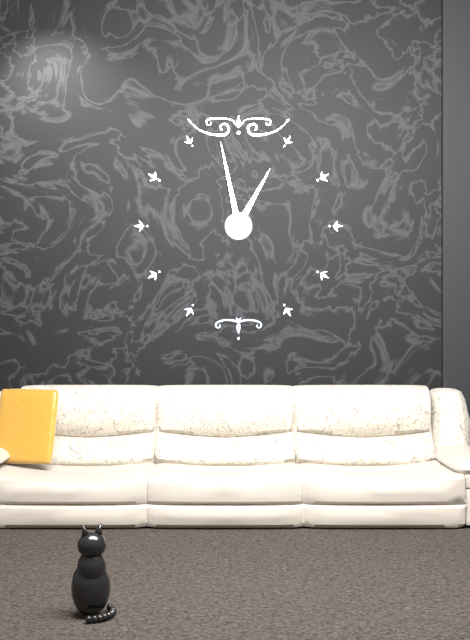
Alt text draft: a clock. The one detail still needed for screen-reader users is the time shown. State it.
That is 12:58
